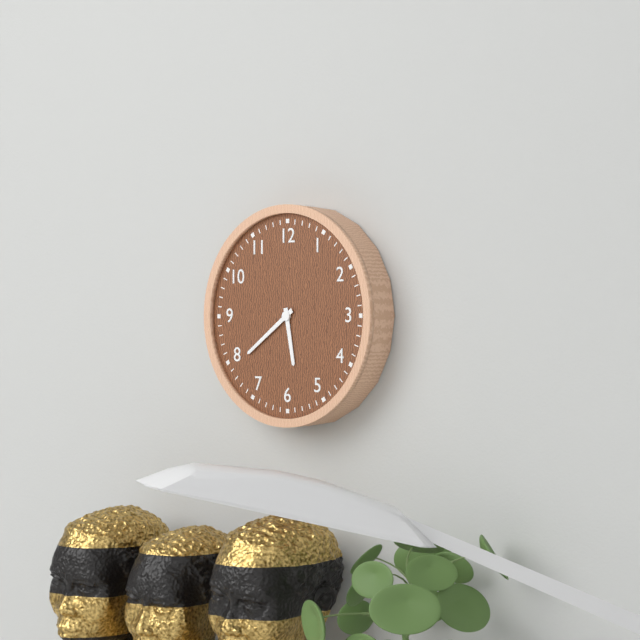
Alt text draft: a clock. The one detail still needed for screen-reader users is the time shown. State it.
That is 5:39
